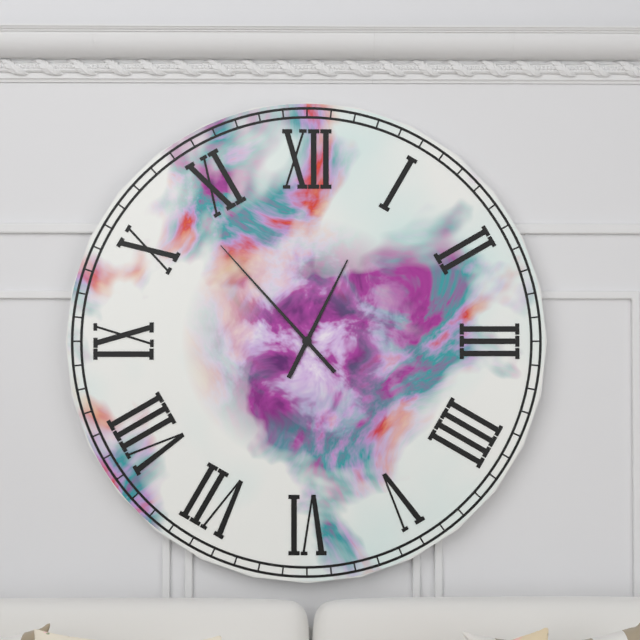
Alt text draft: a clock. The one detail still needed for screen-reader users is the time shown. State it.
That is 12:53
